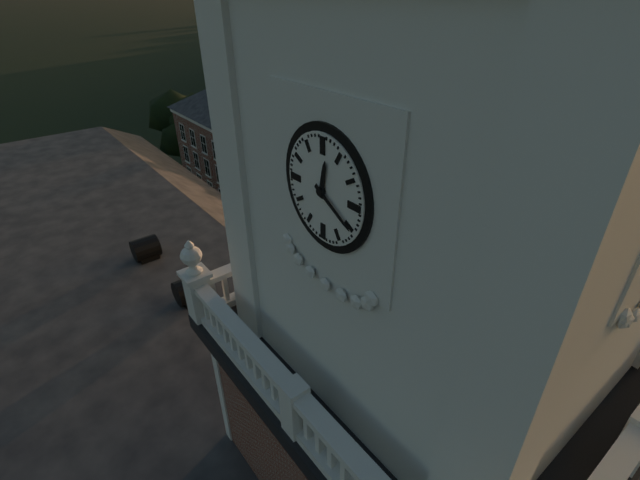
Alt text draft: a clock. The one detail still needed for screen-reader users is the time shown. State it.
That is 12:20
